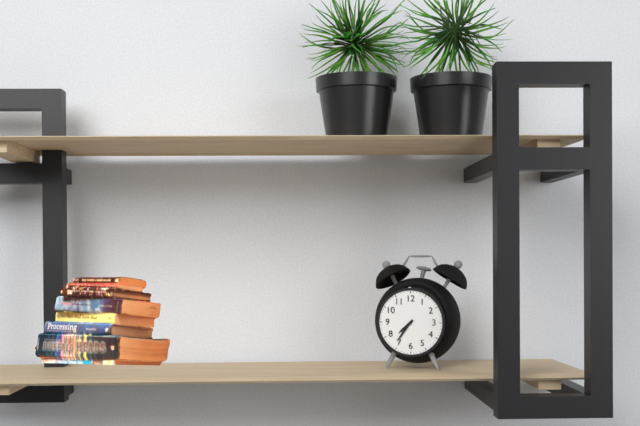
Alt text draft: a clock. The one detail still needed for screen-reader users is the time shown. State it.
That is 7:36
